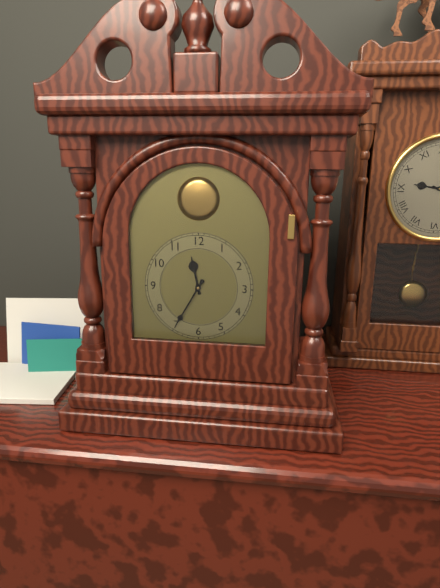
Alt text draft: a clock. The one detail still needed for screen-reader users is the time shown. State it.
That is 11:35
